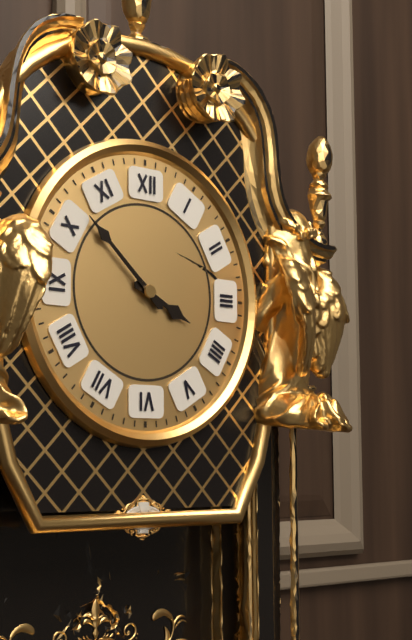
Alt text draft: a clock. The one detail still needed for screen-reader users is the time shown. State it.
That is 3:52
